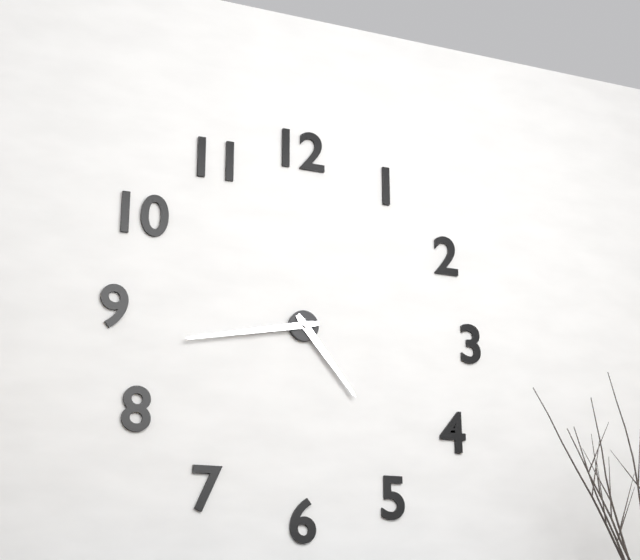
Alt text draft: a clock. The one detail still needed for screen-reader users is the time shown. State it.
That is 4:43
